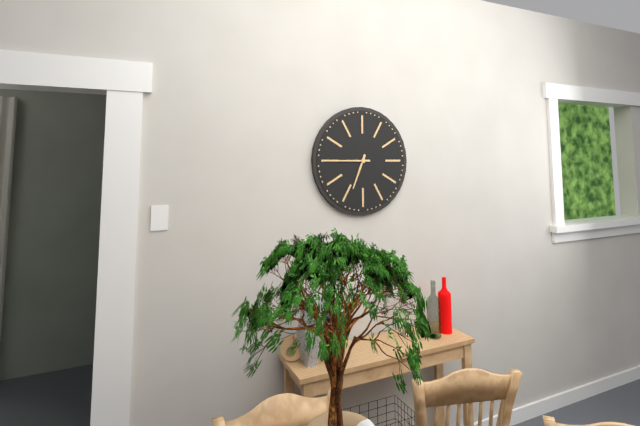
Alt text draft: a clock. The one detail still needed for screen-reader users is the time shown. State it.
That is 6:45
